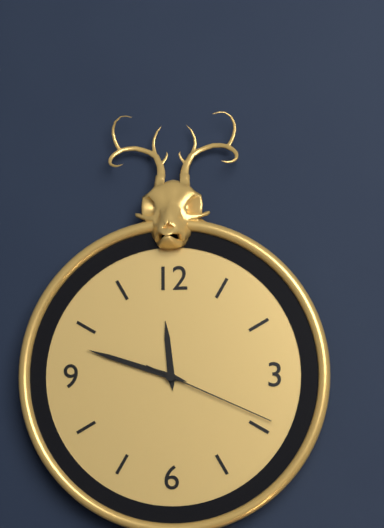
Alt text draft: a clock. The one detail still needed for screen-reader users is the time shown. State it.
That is 11:48:19
